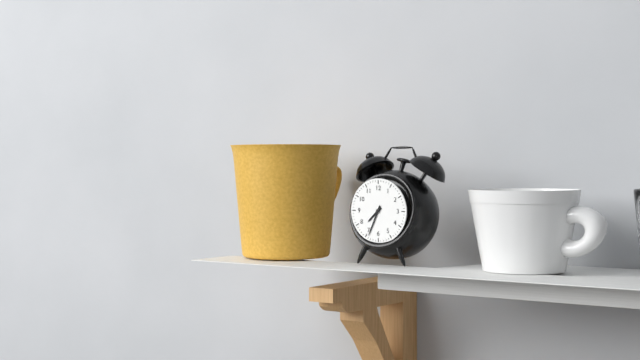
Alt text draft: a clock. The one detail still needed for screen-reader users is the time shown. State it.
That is 7:34
